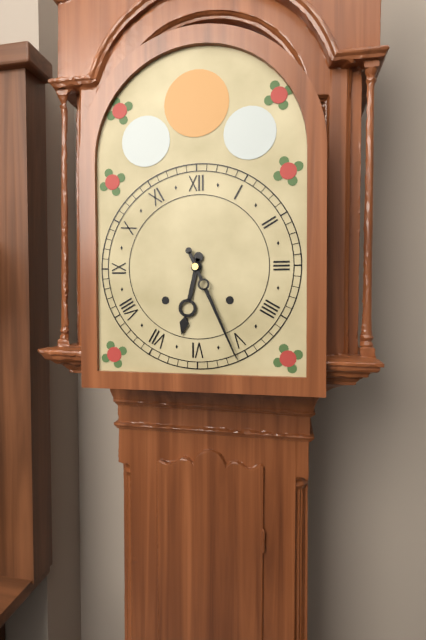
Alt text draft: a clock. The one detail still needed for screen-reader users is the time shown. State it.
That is 6:26
